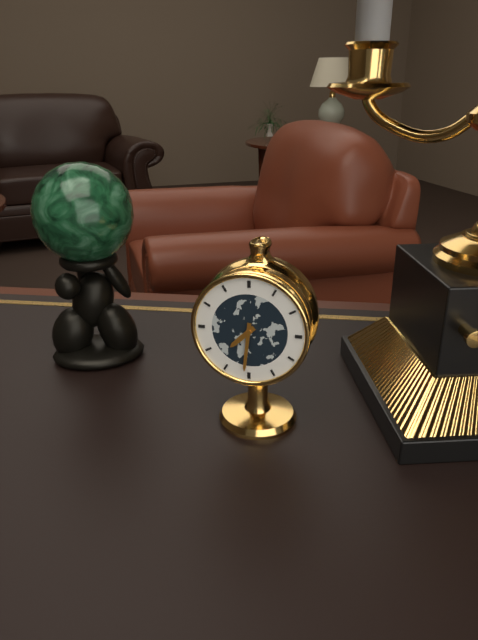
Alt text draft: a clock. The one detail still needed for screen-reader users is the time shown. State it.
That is 7:31
